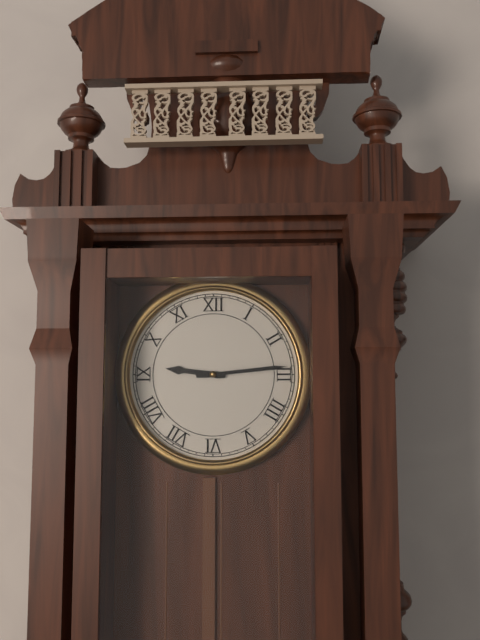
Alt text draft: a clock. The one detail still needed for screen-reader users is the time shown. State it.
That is 9:14
